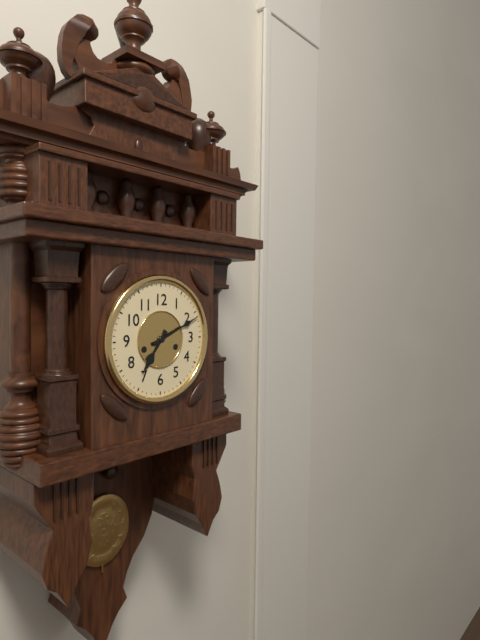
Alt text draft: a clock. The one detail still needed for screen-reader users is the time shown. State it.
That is 7:11
